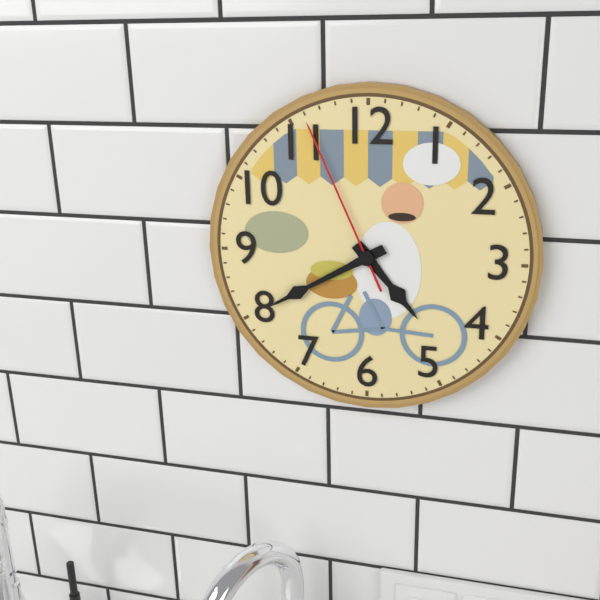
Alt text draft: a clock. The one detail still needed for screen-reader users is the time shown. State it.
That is 4:40:56
